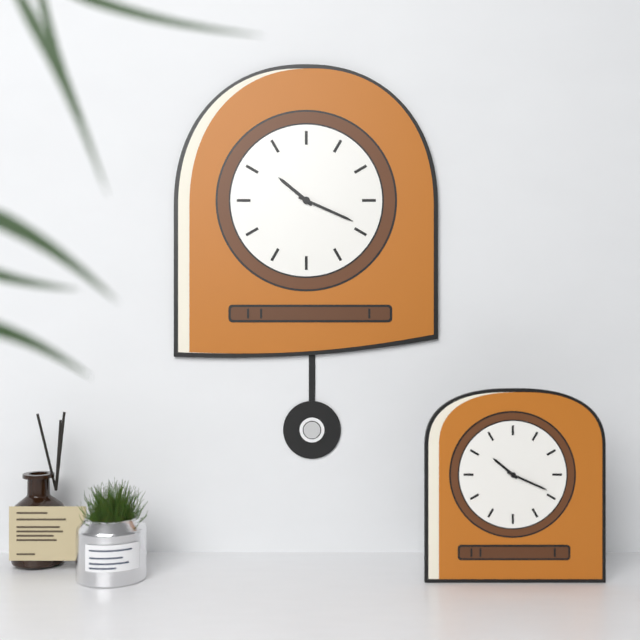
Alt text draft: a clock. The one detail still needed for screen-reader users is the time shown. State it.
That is 10:19
